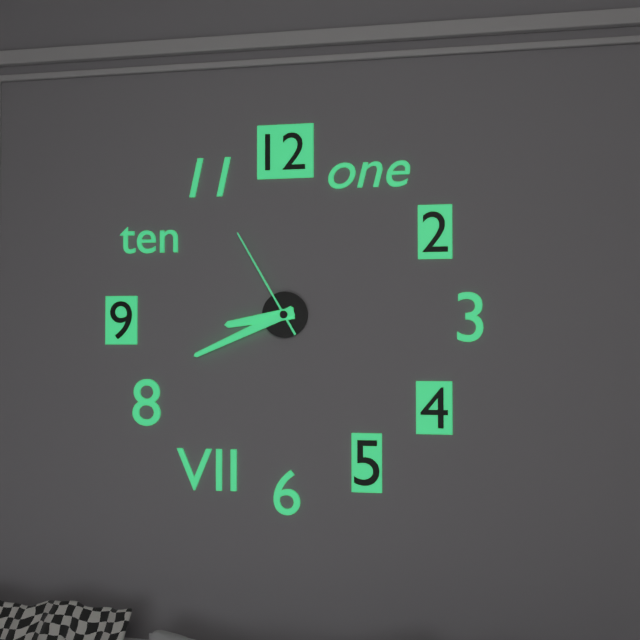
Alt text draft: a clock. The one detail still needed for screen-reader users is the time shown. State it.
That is 8:41:55
